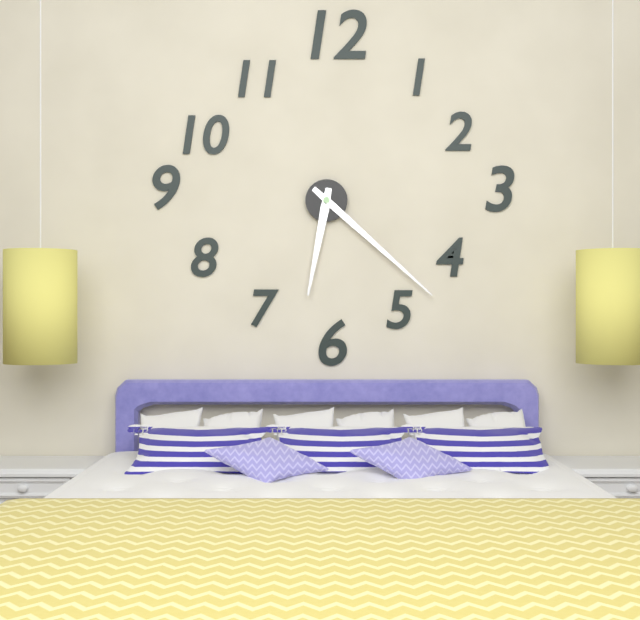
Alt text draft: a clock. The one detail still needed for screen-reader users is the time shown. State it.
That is 6:22
